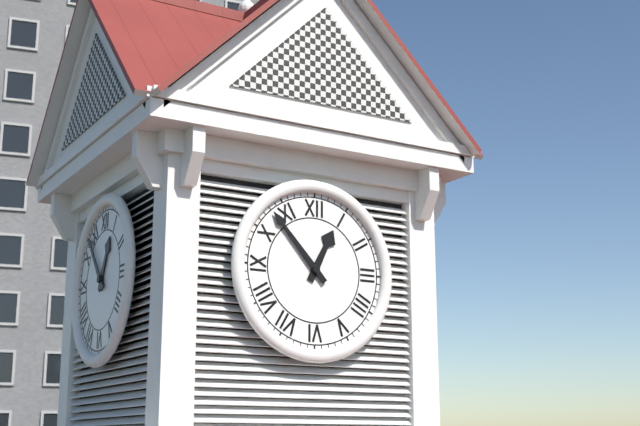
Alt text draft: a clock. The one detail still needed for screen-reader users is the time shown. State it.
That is 12:53
